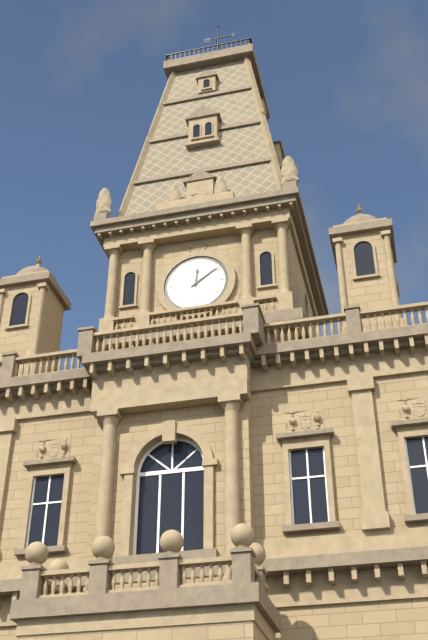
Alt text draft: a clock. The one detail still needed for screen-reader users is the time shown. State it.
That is 12:09
